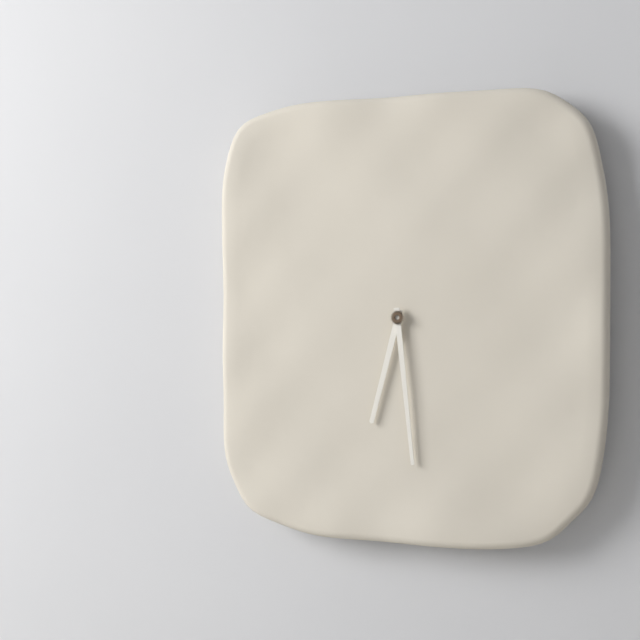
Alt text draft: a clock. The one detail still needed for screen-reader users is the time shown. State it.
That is 6:29
